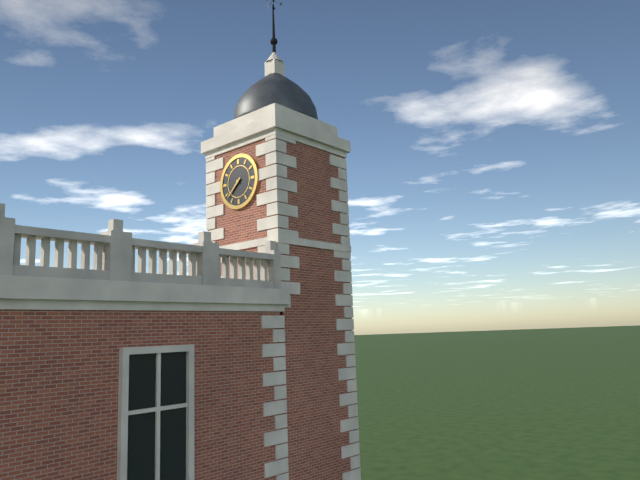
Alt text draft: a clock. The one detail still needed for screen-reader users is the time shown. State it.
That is 7:38
